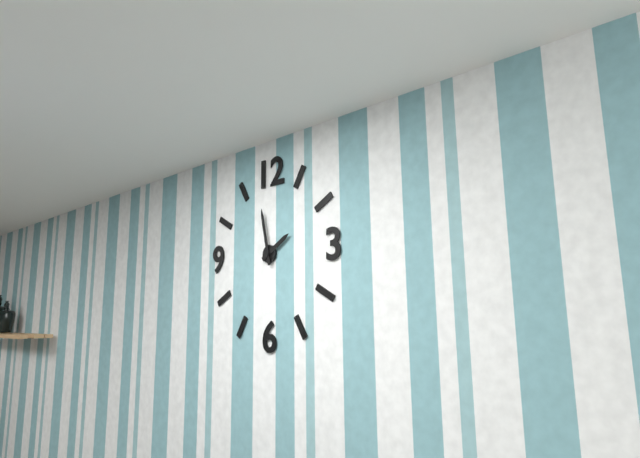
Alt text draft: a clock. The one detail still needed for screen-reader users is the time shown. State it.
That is 1:58
